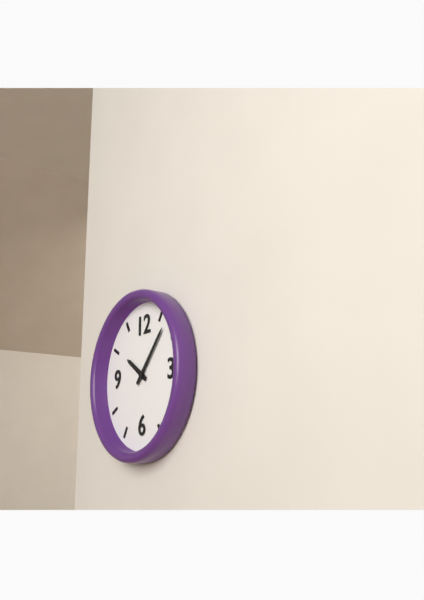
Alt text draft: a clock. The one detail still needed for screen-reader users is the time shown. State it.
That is 10:07
